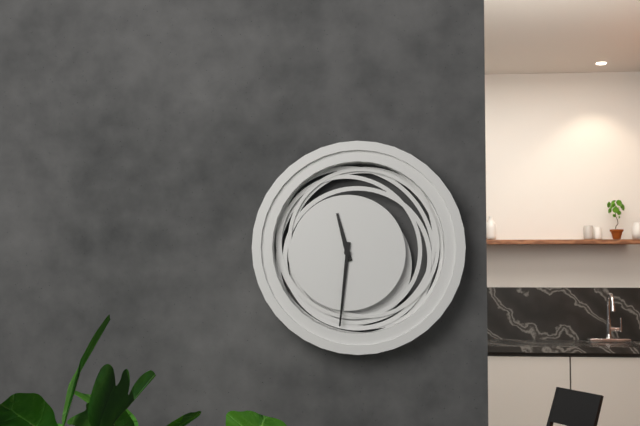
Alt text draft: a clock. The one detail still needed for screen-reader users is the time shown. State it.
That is 11:31
